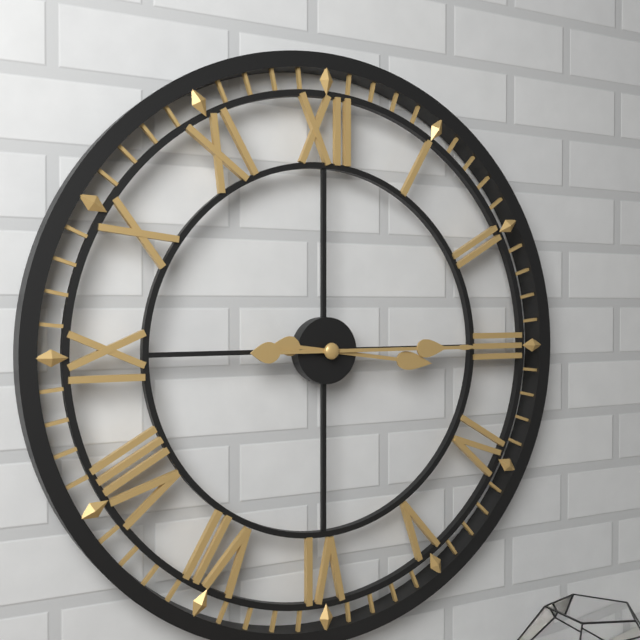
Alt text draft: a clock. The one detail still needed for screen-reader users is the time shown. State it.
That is 3:15
